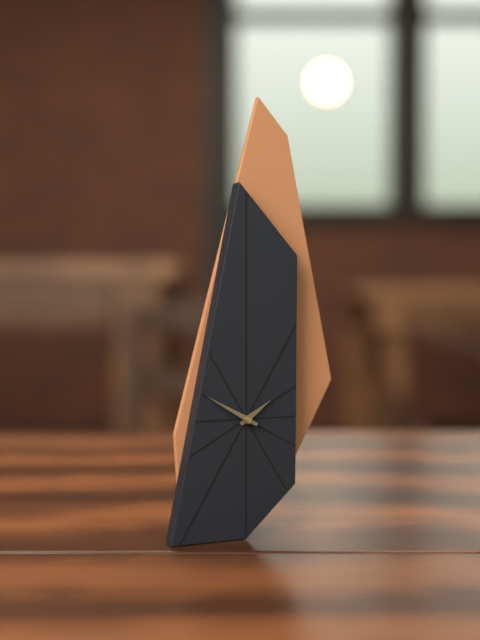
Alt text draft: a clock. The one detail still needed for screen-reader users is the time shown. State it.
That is 1:50
